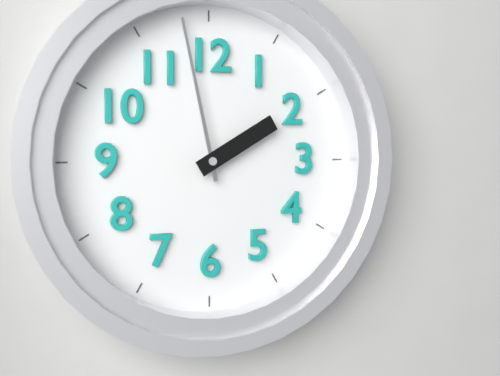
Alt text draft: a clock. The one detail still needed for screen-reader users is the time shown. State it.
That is 1:58
